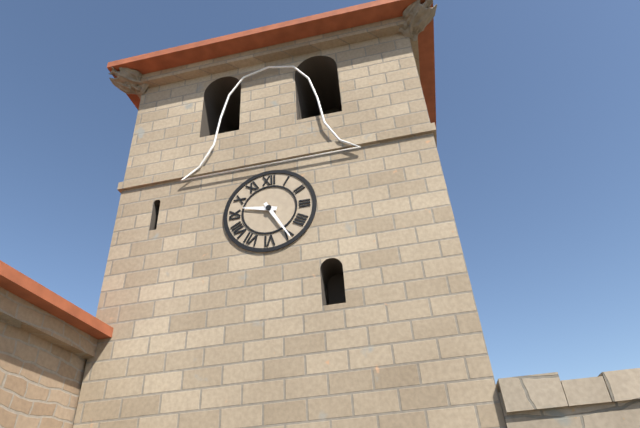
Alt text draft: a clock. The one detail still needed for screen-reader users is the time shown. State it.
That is 9:25
